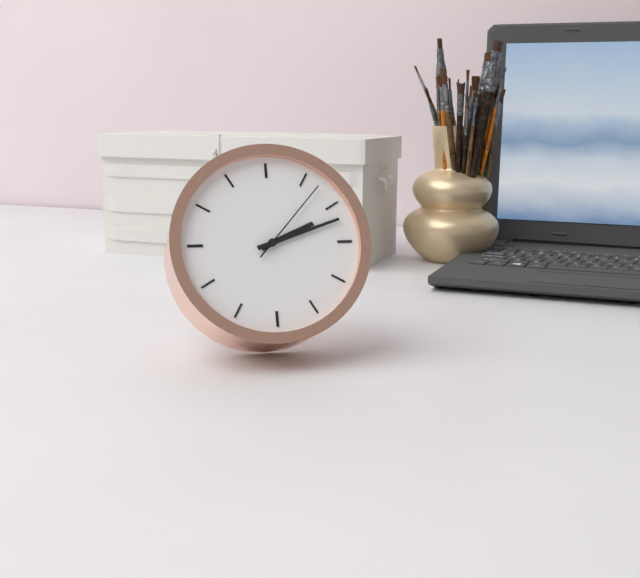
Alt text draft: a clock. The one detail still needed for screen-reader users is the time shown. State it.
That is 2:12:07
